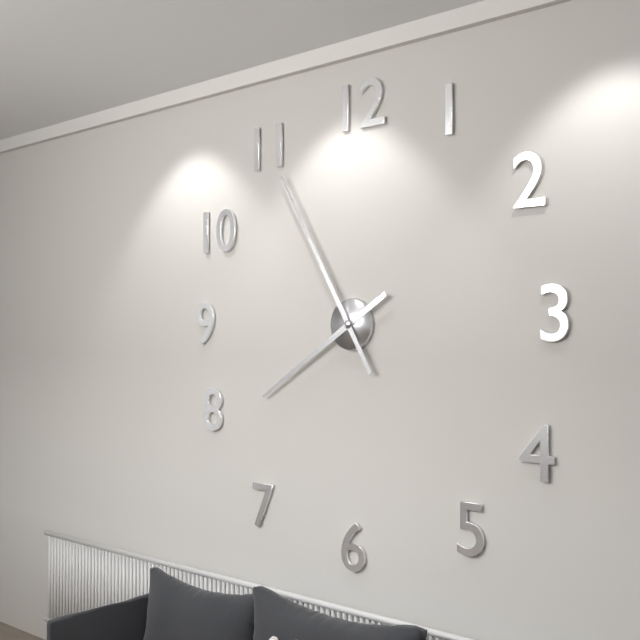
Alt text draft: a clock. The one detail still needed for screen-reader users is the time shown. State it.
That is 7:55
